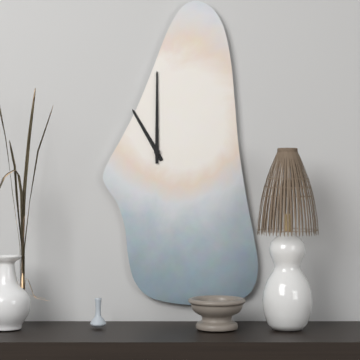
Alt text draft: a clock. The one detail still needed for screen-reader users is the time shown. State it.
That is 11:00
